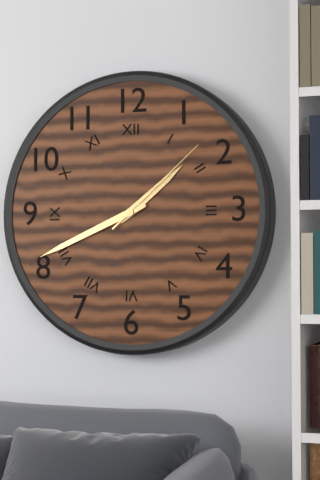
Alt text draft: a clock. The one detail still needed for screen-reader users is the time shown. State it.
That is 1:41:08
